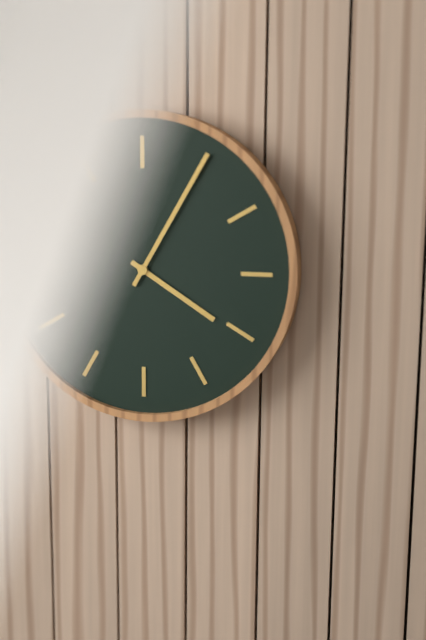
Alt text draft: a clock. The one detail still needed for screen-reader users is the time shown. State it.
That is 4:05
